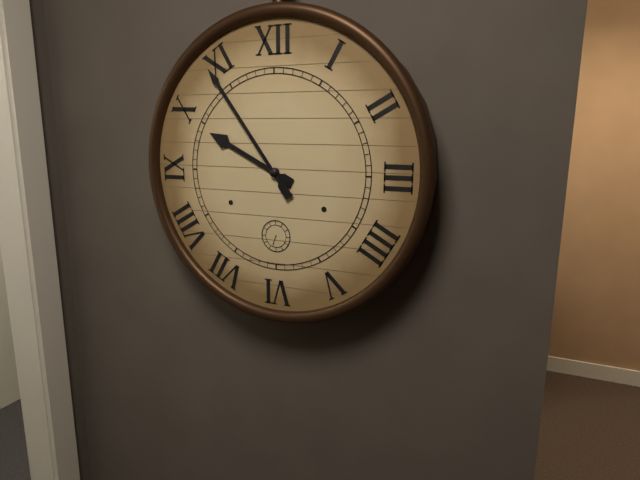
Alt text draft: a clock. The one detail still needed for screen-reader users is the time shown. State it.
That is 9:54
